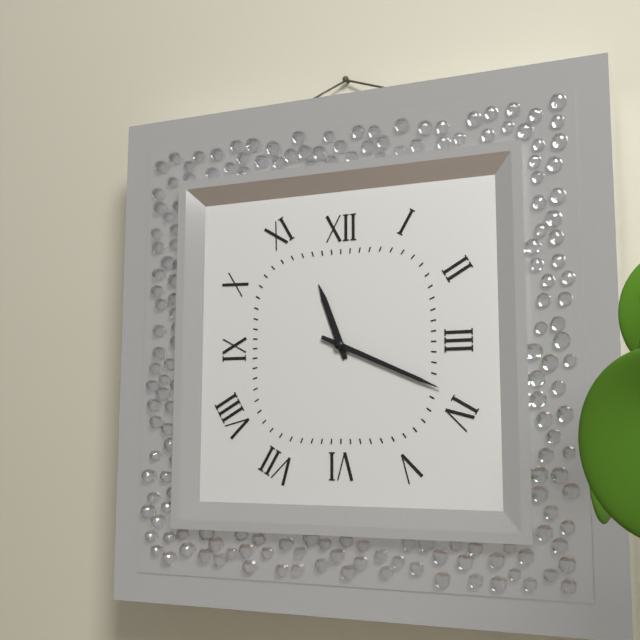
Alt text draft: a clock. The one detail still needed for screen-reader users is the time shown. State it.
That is 11:19
